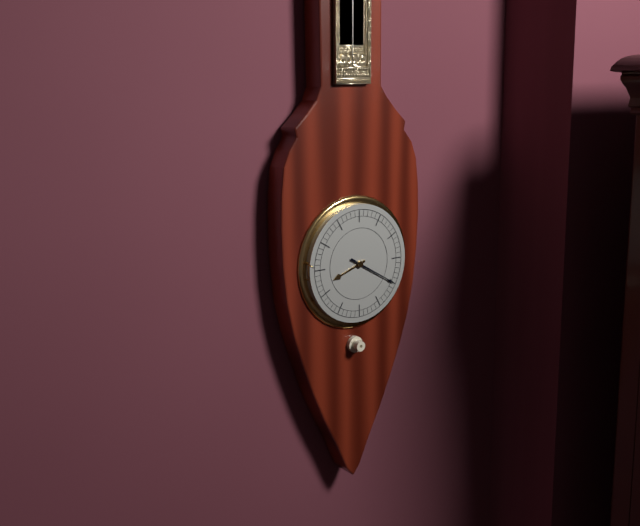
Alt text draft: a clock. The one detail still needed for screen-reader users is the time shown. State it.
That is 8:20
